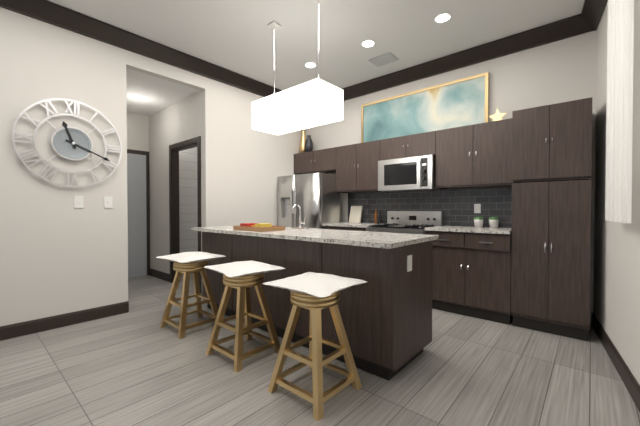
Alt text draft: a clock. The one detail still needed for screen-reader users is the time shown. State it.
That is 11:19
